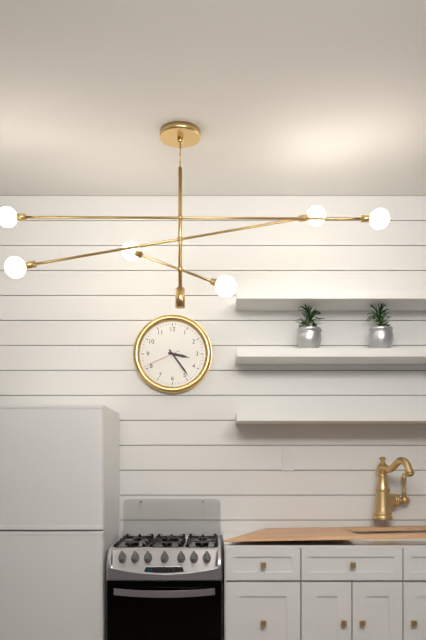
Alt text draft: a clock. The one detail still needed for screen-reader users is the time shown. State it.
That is 3:24
